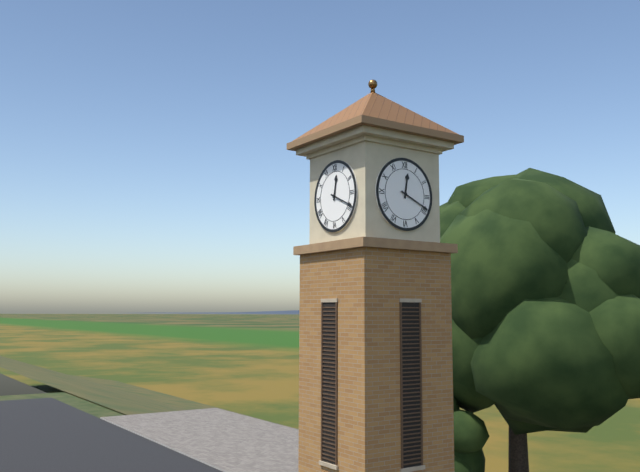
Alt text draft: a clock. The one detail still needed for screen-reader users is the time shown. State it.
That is 12:19
